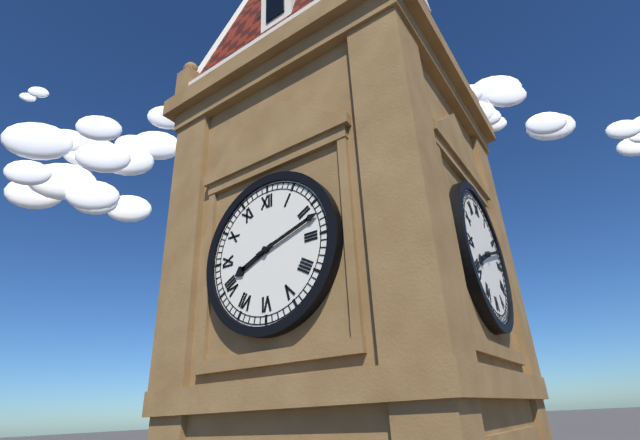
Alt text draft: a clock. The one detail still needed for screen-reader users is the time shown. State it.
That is 8:12
